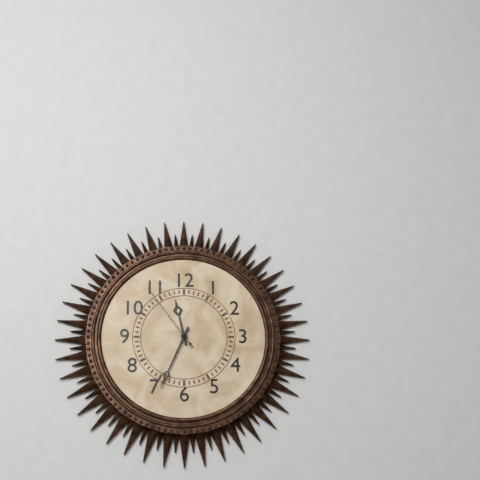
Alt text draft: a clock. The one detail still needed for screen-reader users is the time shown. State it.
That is 11:34:54
